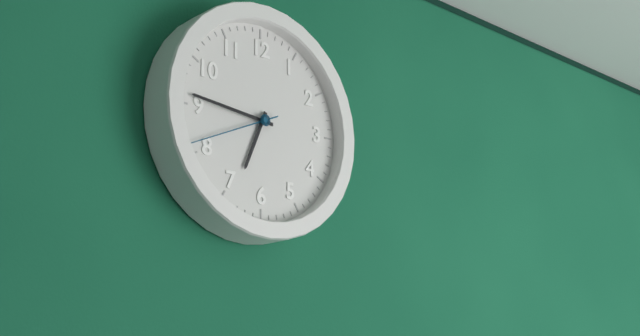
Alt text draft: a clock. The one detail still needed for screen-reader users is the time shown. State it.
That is 6:46:41
